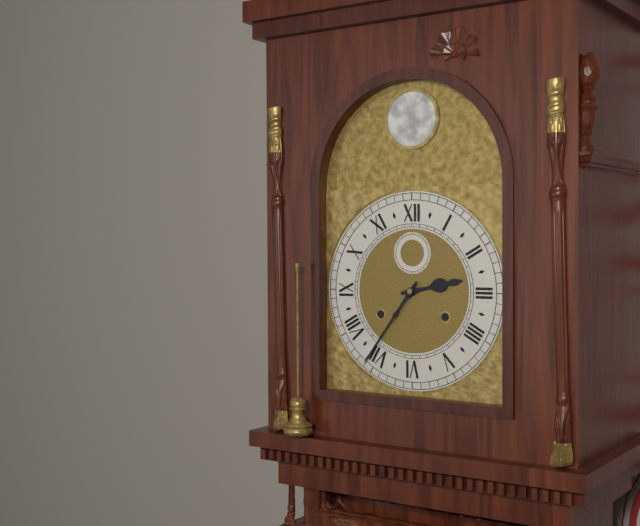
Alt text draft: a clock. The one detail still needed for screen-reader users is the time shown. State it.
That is 2:36
